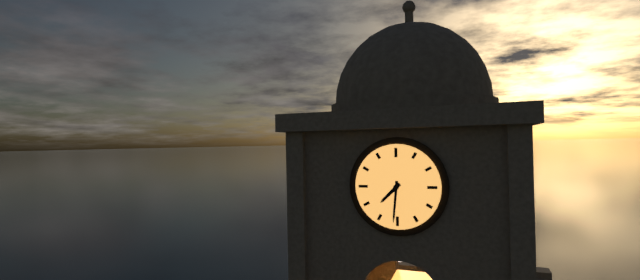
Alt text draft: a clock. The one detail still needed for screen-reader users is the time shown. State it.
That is 7:31
